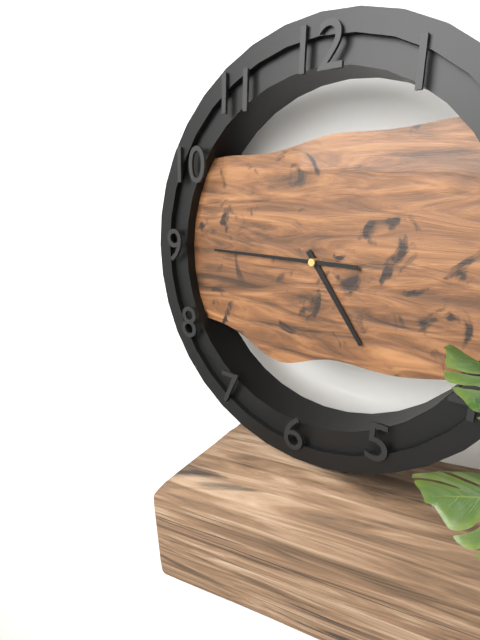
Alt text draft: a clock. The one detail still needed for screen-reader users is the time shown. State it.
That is 4:45
